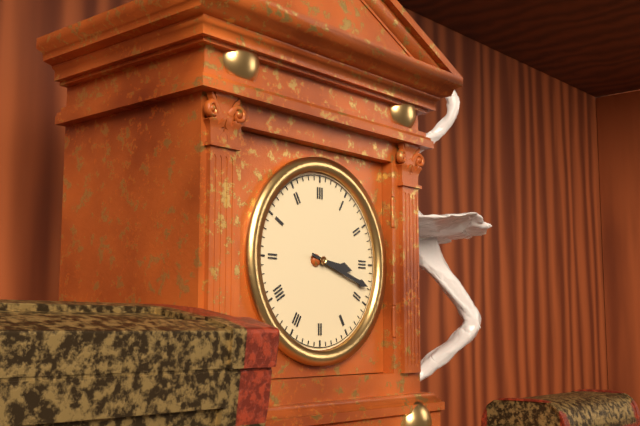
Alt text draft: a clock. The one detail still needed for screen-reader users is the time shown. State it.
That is 3:18
